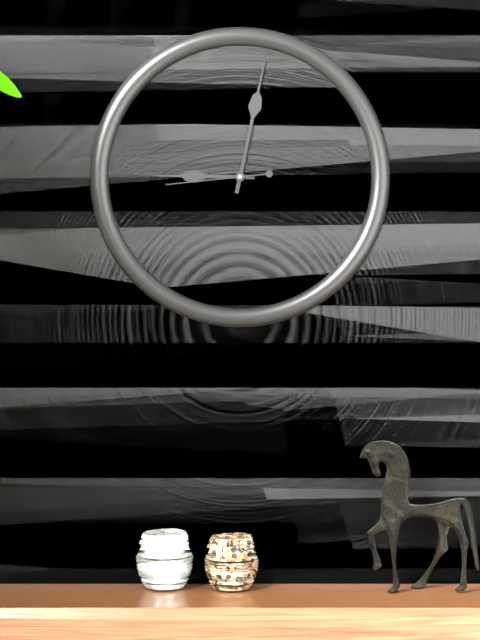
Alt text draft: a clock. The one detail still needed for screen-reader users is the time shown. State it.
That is 9:02:44
